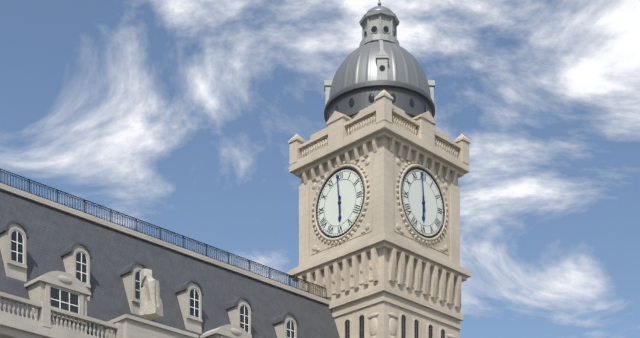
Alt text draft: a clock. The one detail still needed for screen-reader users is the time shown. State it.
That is 5:59
